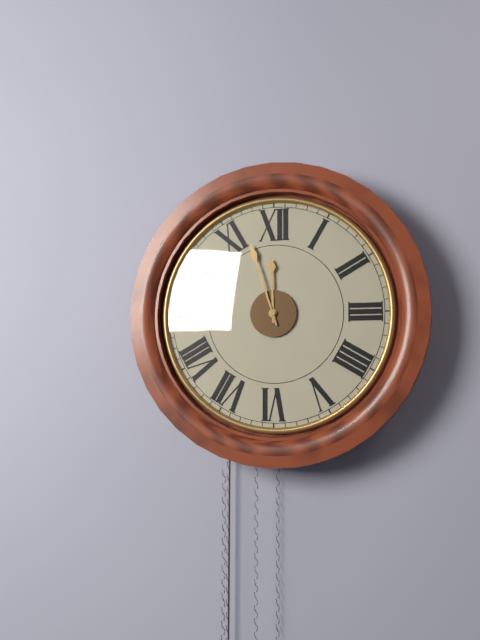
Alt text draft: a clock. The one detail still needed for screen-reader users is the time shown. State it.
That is 11:57
